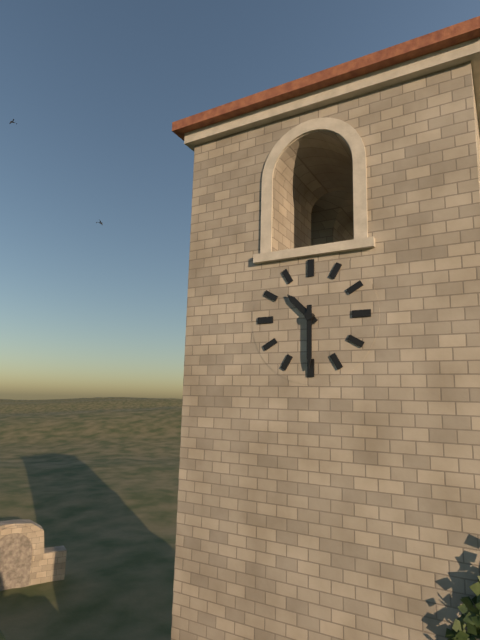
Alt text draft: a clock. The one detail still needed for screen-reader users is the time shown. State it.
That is 10:30
